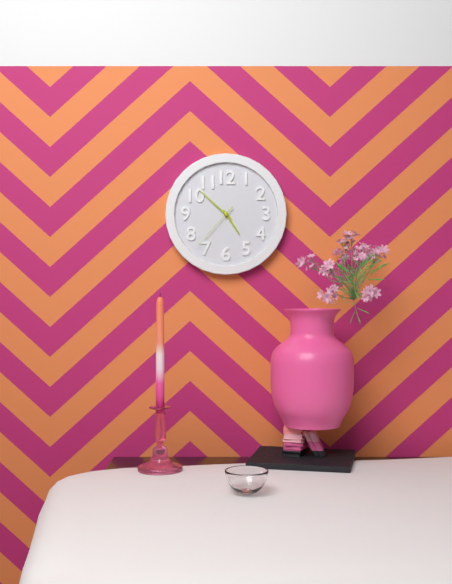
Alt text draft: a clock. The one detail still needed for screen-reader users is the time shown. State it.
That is 4:52:37
